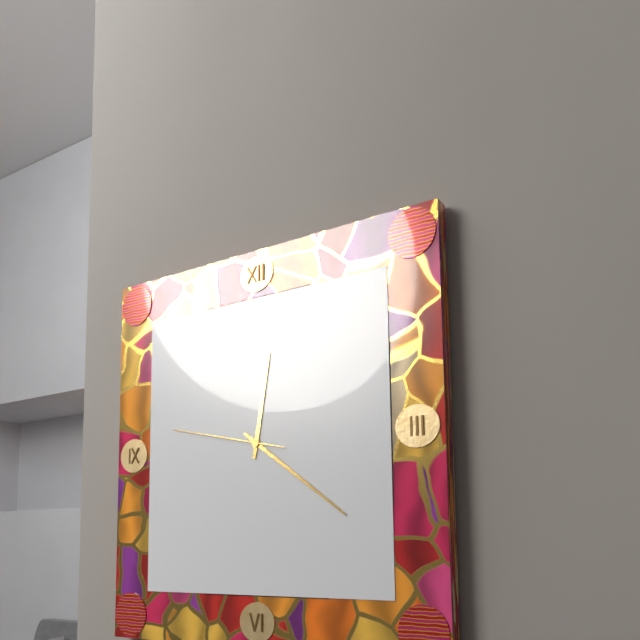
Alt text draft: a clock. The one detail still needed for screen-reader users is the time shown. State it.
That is 12:21:47
